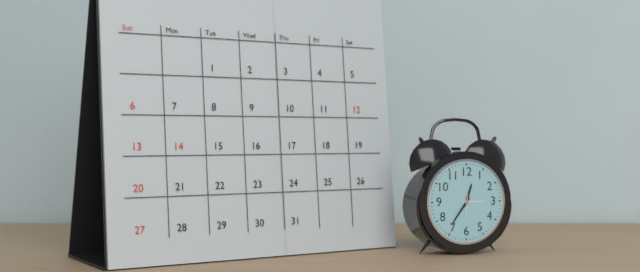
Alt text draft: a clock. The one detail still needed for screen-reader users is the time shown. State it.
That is 12:36
